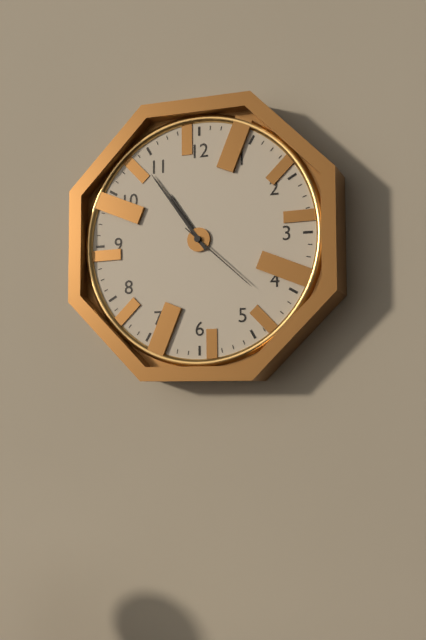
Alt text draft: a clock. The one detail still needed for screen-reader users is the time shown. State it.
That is 10:54:22
